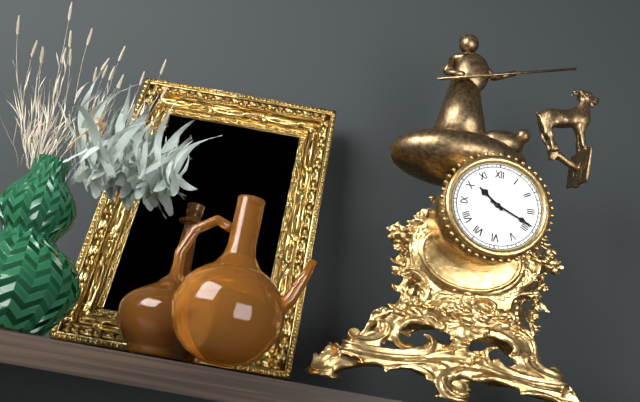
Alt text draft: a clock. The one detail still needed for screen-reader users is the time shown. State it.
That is 10:19
